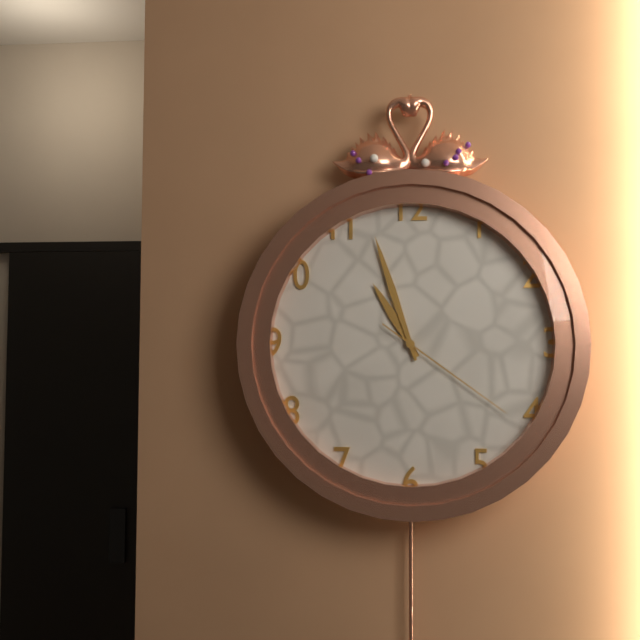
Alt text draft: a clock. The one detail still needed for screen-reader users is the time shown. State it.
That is 10:57:21
